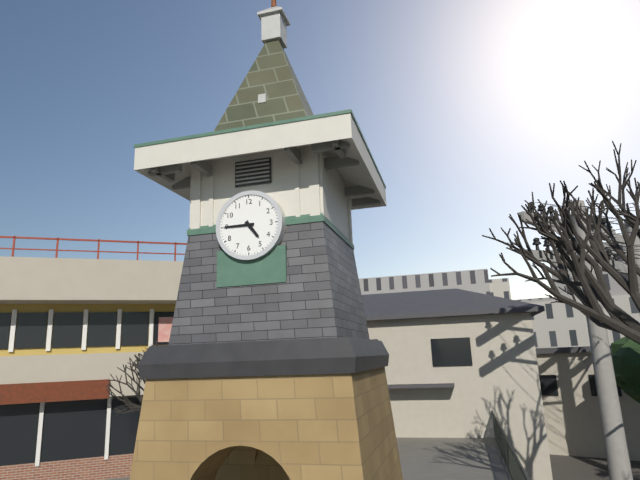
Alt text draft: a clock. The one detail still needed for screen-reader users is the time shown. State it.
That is 4:45
